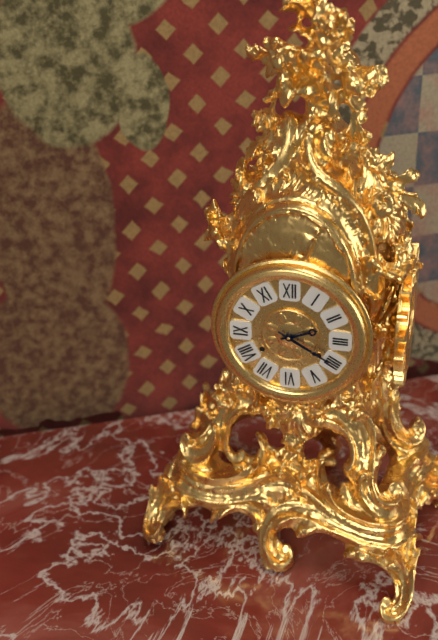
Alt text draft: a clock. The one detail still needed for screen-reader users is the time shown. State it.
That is 2:20
